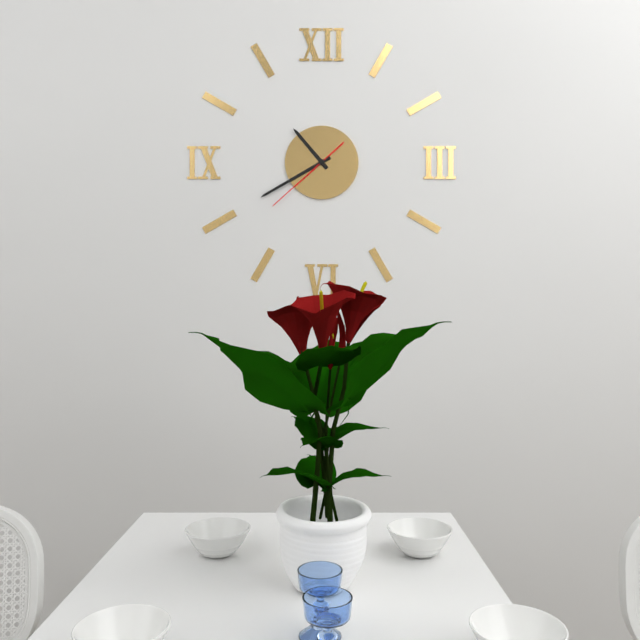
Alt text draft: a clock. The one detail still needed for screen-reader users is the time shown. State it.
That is 10:40:38
